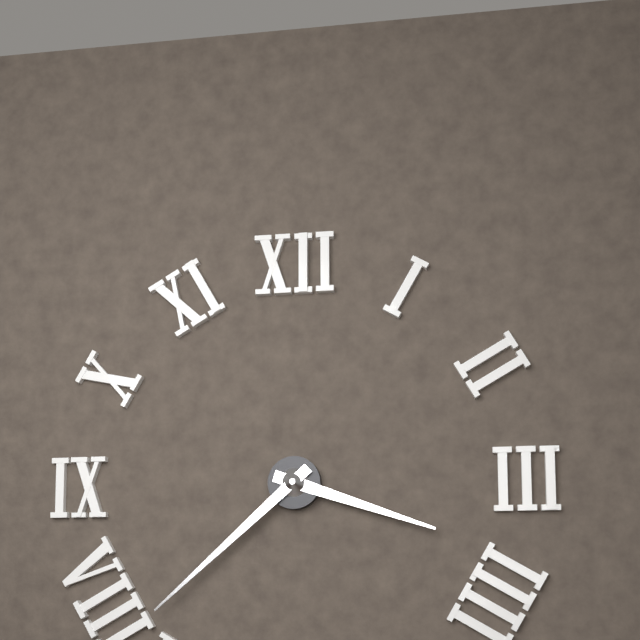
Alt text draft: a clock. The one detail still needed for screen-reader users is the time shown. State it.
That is 3:38
